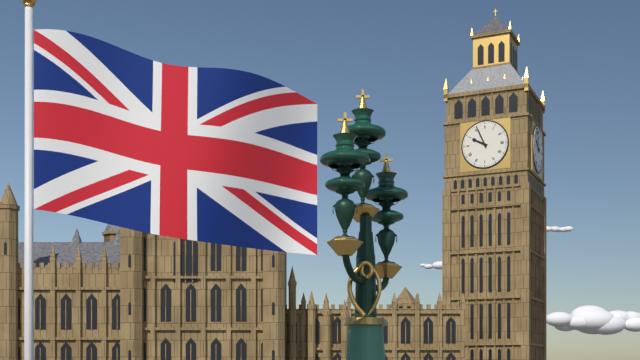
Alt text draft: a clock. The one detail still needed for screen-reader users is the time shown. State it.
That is 9:56
